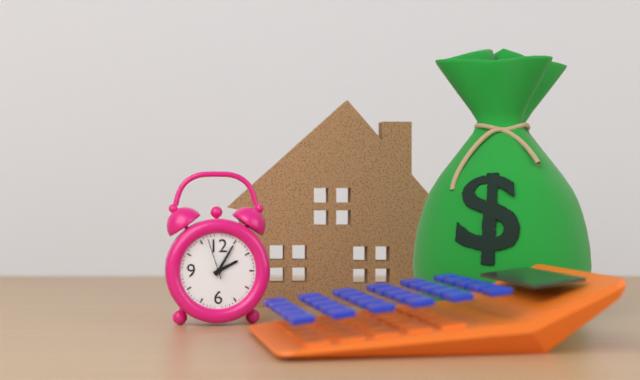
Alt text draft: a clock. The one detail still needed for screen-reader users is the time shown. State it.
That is 2:05
